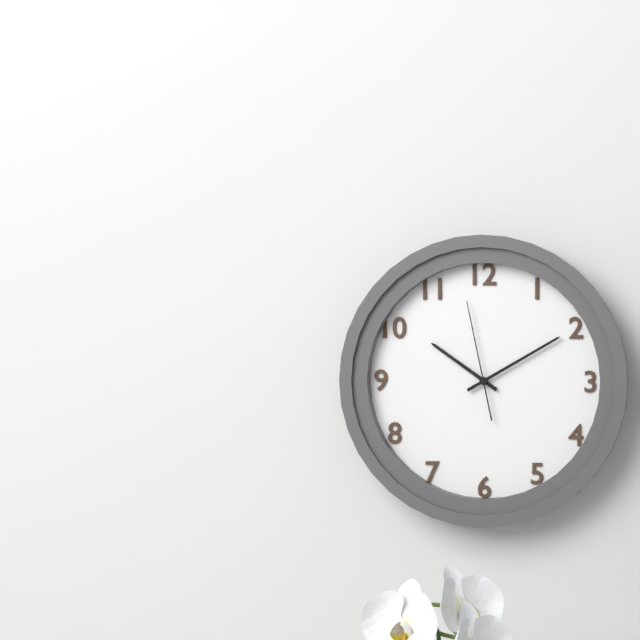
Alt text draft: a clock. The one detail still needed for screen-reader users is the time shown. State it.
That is 10:10:58
